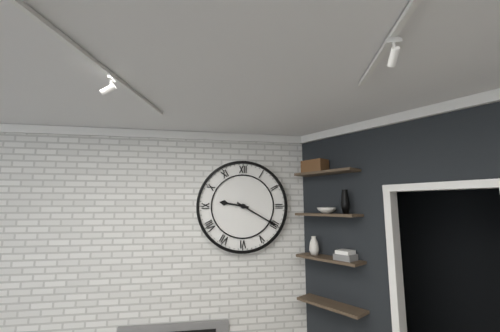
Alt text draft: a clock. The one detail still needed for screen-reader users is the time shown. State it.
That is 9:20
